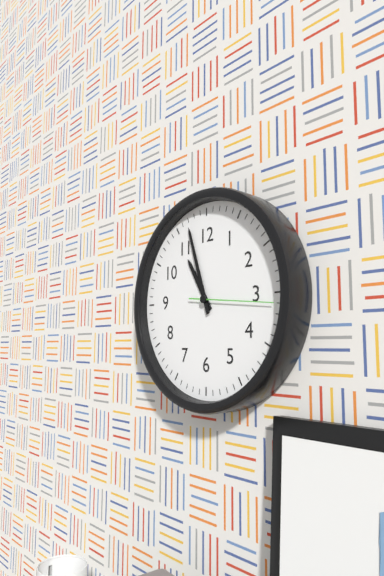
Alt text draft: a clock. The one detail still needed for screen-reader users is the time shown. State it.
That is 10:57:16
